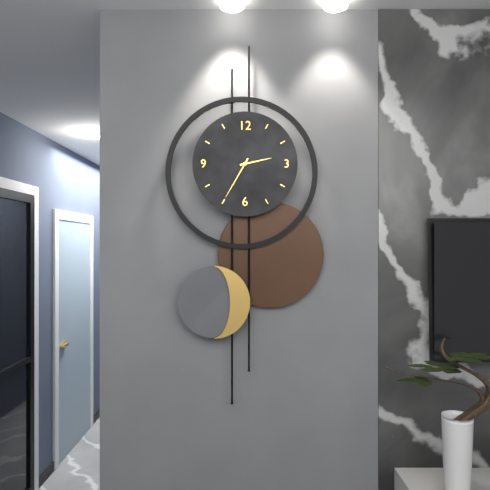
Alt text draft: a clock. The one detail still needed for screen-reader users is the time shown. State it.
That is 2:35
